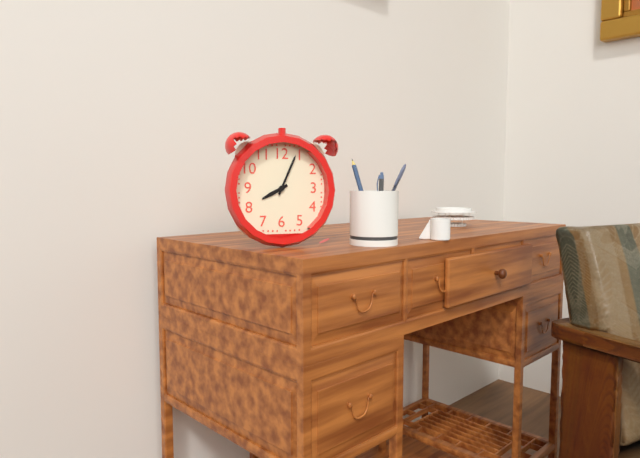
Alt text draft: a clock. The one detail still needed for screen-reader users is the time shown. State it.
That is 8:04
